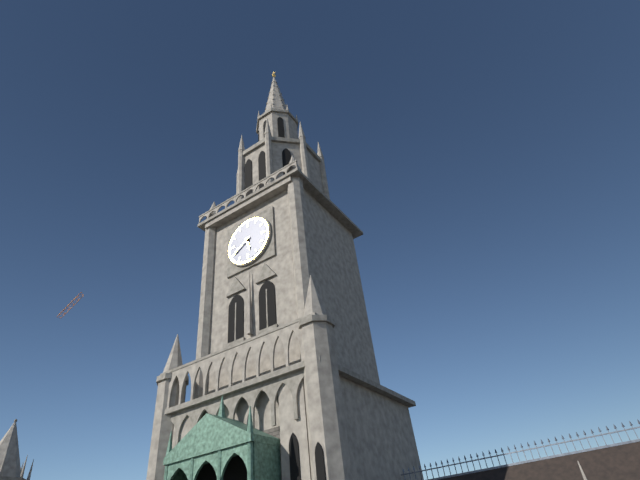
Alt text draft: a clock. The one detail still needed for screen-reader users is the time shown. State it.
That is 5:40
